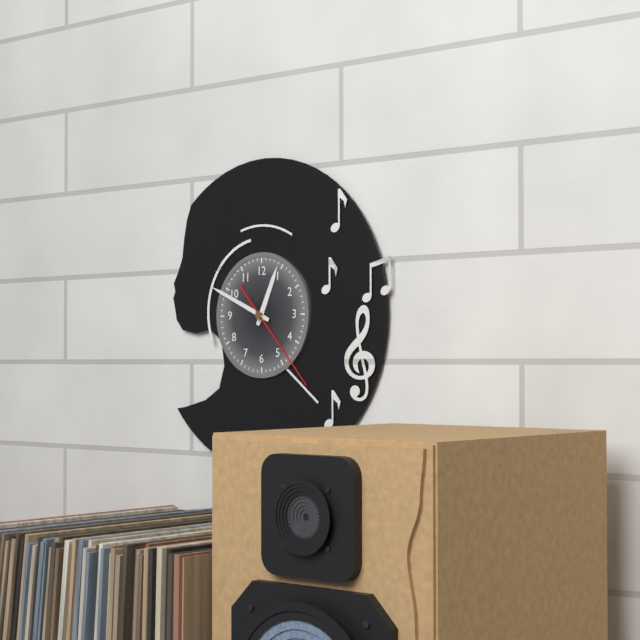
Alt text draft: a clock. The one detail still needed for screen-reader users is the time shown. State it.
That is 12:49:23
